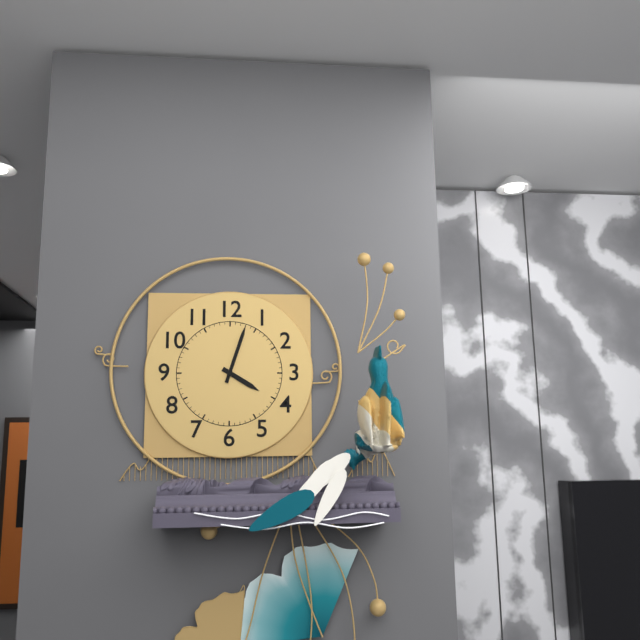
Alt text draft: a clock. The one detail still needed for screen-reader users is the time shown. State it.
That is 4:03
